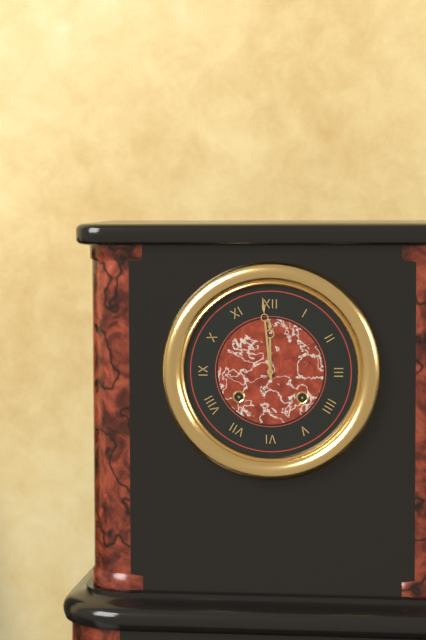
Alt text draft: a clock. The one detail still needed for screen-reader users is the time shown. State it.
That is 11:59
